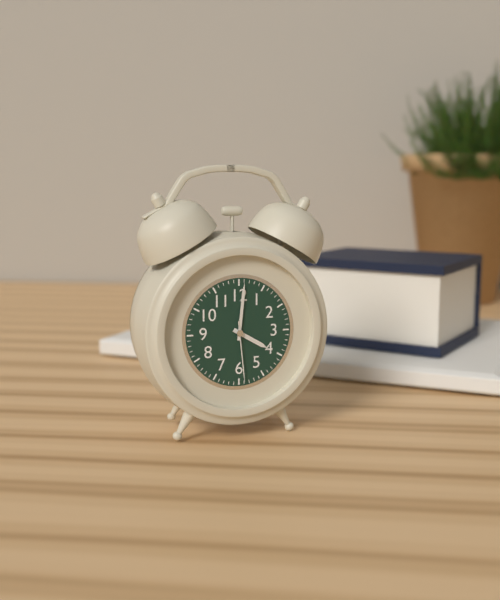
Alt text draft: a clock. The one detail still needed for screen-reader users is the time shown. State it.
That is 4:01:29
